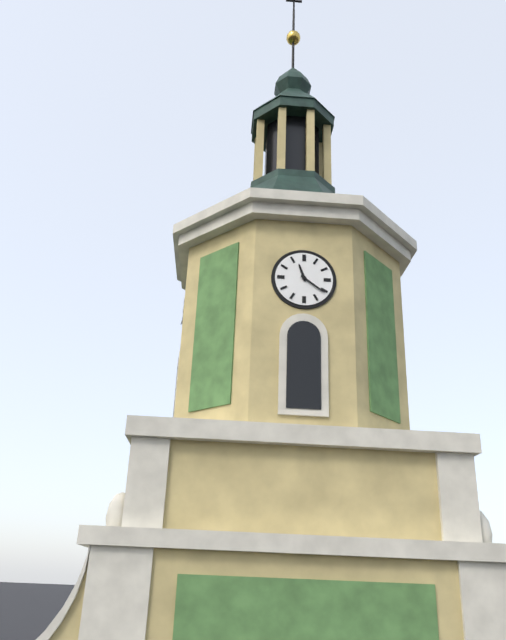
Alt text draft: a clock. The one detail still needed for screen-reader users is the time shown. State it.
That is 11:21
